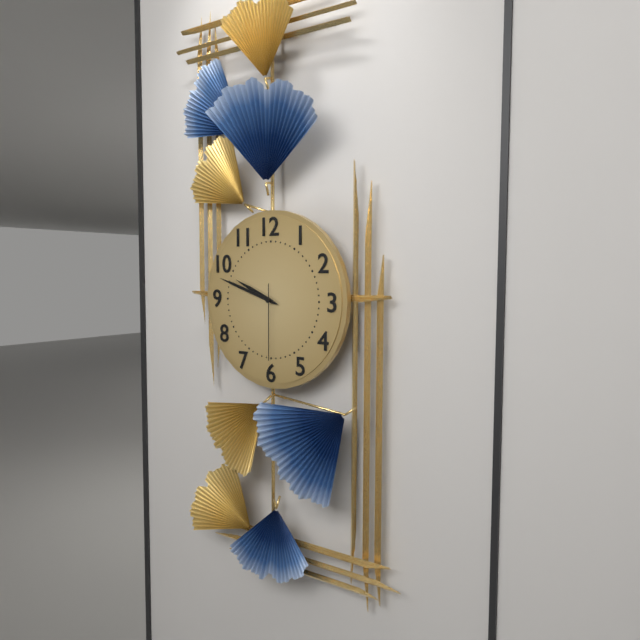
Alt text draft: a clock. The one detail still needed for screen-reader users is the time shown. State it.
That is 9:48:30
